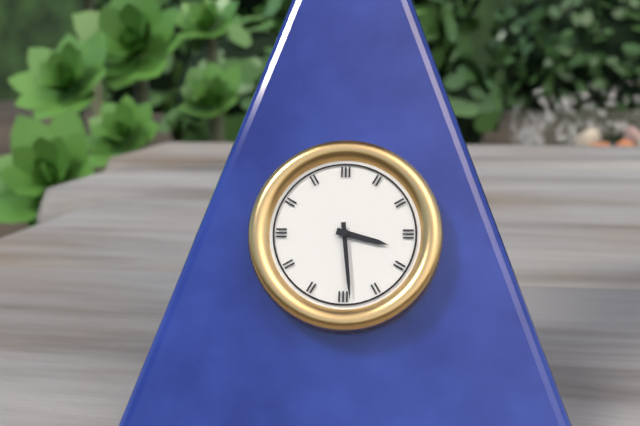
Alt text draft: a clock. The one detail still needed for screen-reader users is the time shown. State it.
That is 3:29
